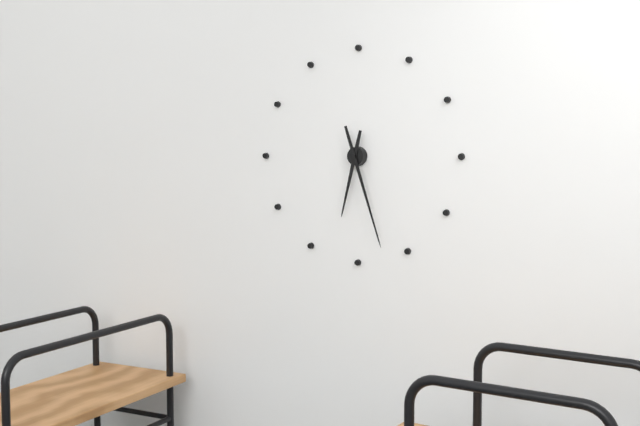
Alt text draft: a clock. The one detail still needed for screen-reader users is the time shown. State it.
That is 6:27
